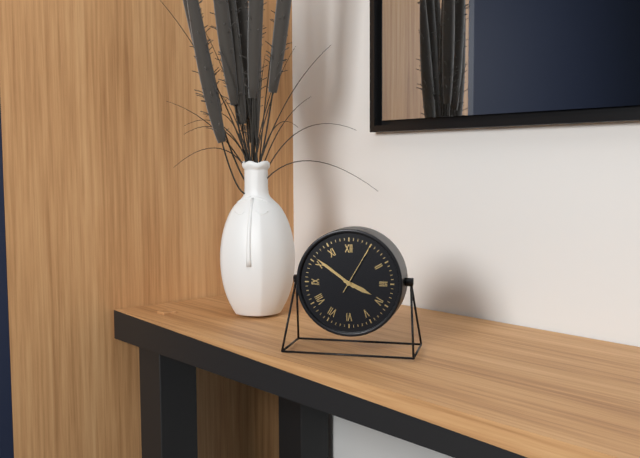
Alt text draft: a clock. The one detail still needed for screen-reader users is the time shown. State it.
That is 3:51:05
